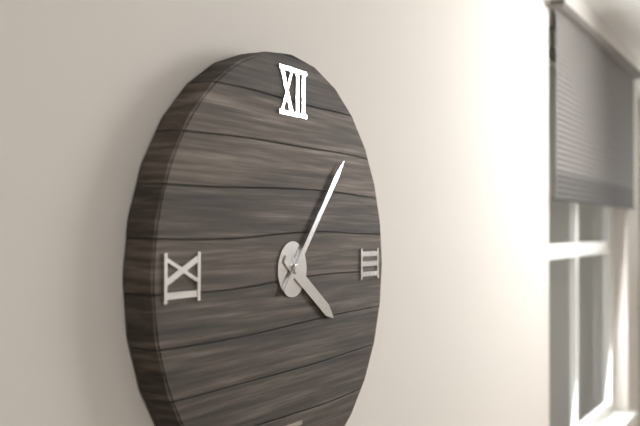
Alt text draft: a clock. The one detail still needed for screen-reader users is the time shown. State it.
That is 4:07
